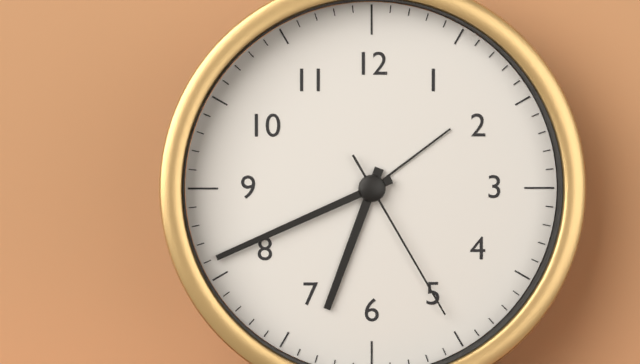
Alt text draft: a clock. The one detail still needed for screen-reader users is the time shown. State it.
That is 6:41:25
